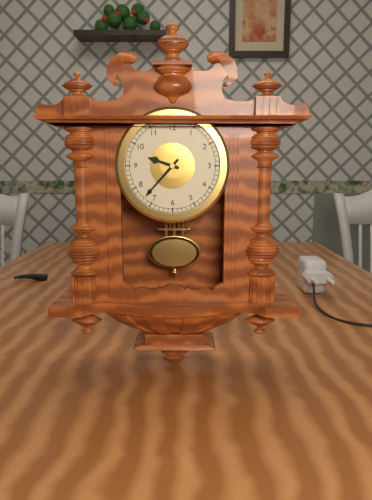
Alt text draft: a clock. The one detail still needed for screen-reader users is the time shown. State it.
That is 9:37
